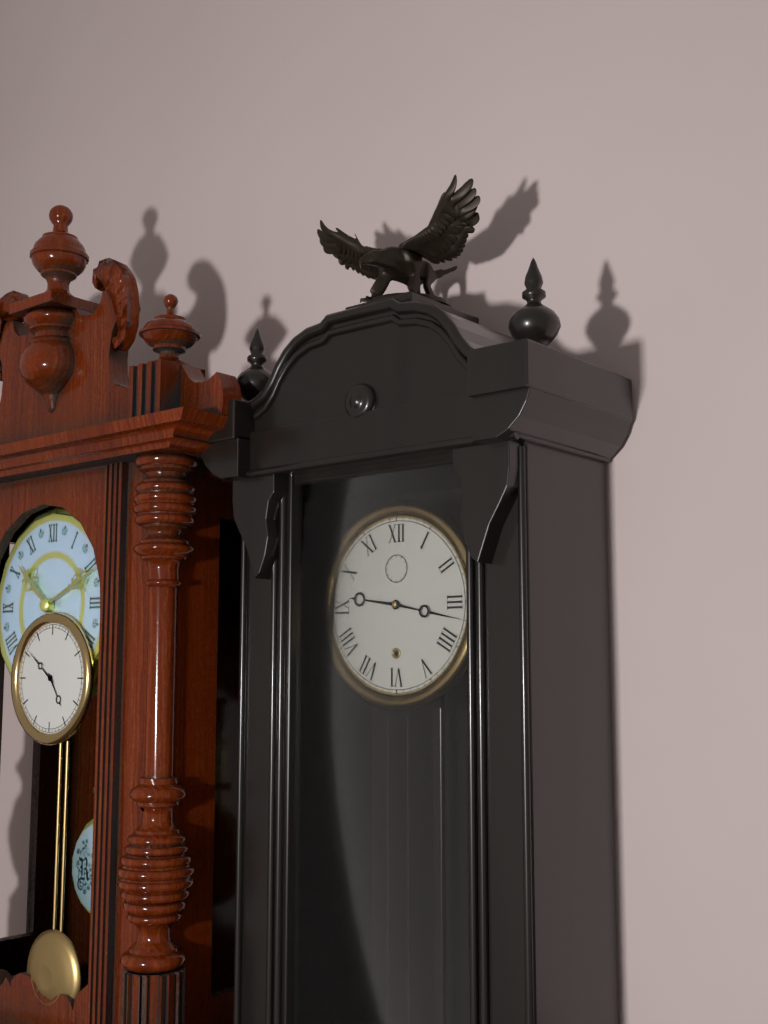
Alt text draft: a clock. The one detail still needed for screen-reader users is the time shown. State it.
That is 9:17
